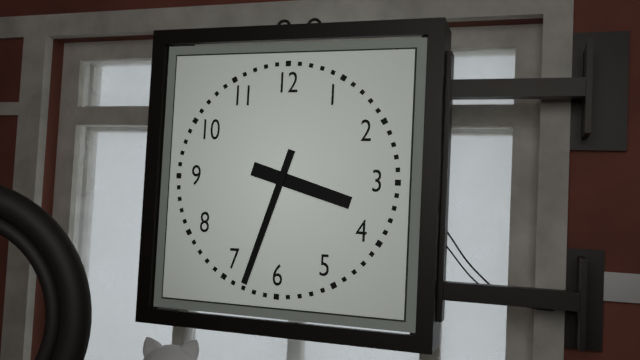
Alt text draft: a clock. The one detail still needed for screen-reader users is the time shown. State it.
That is 3:33
